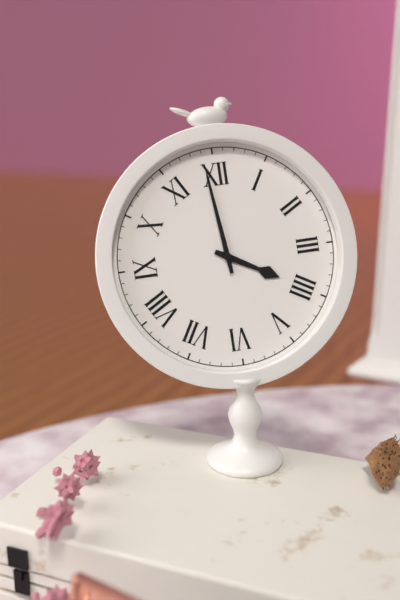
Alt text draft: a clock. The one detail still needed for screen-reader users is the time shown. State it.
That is 3:59
